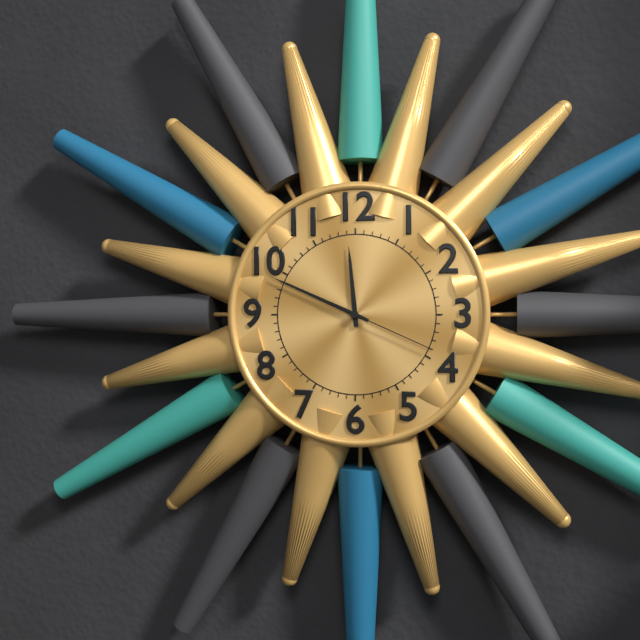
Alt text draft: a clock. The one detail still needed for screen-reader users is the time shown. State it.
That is 11:49:19
